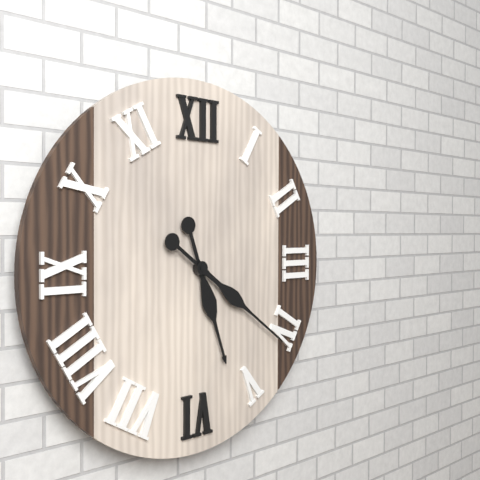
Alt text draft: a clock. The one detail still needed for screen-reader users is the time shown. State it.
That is 5:21
